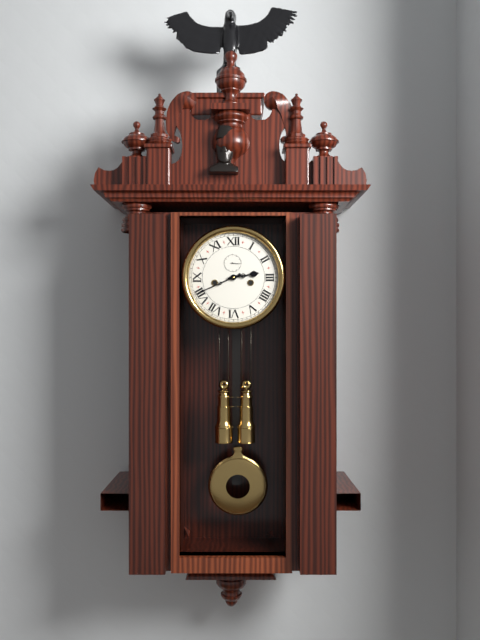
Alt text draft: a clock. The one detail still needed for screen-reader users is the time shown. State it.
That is 2:41
